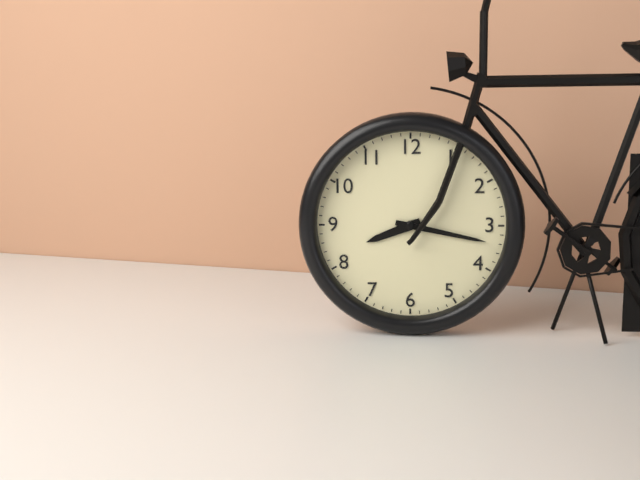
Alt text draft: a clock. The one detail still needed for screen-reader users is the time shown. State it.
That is 8:17
